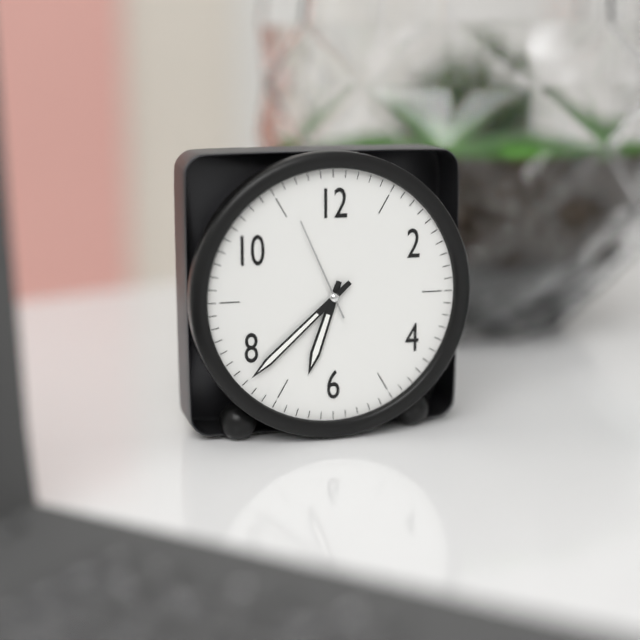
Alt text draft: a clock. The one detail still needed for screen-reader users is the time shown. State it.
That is 6:38:56
